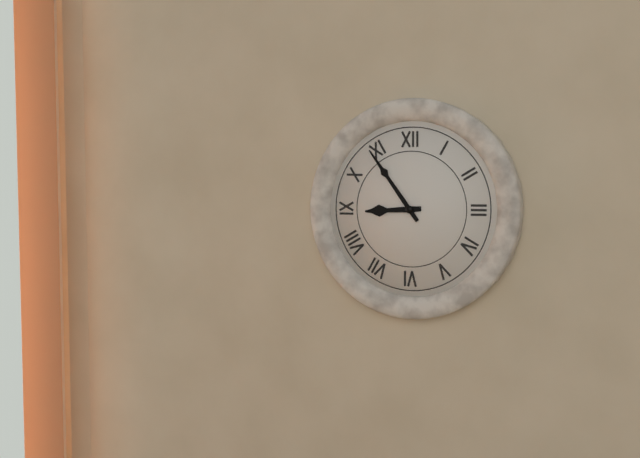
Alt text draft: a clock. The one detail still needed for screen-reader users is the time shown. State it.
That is 8:54
